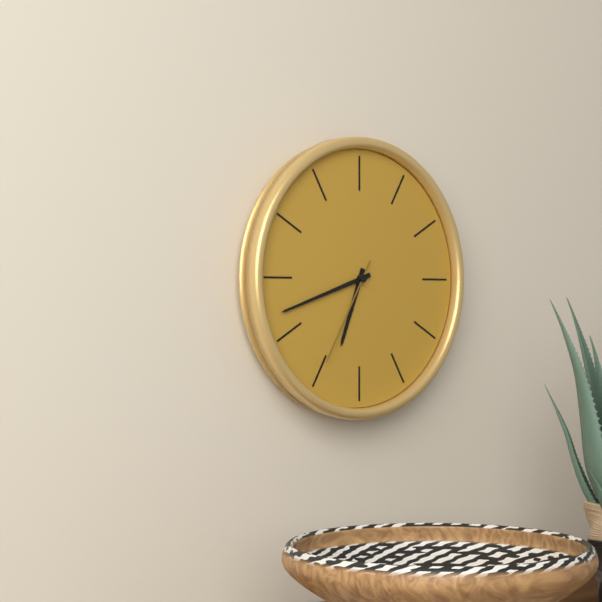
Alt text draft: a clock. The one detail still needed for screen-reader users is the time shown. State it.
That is 6:42:35
